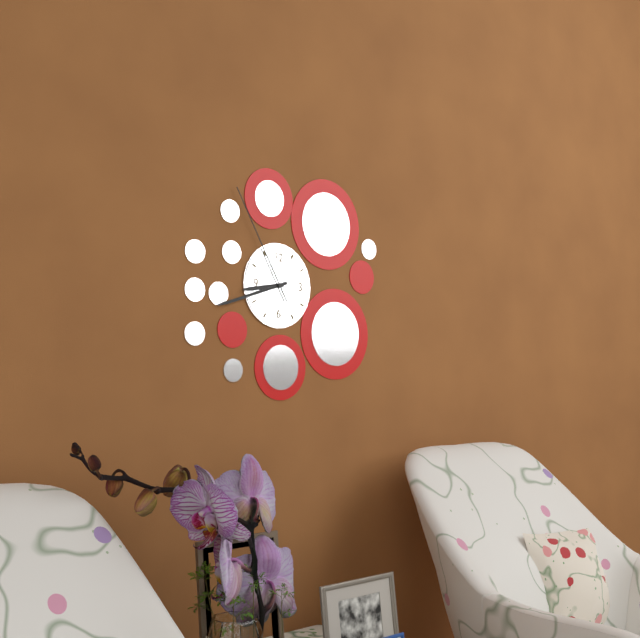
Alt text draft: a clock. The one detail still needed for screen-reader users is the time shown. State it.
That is 8:42:55
